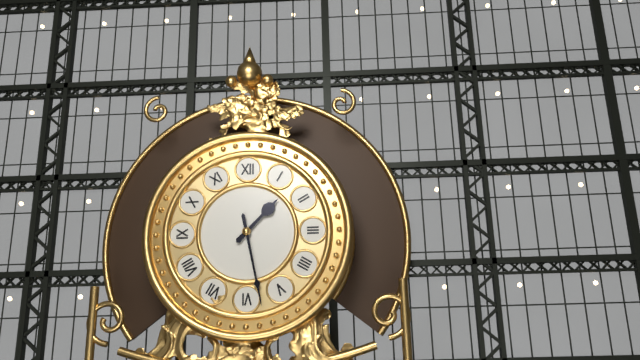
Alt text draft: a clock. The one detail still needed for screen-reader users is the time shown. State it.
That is 1:28
